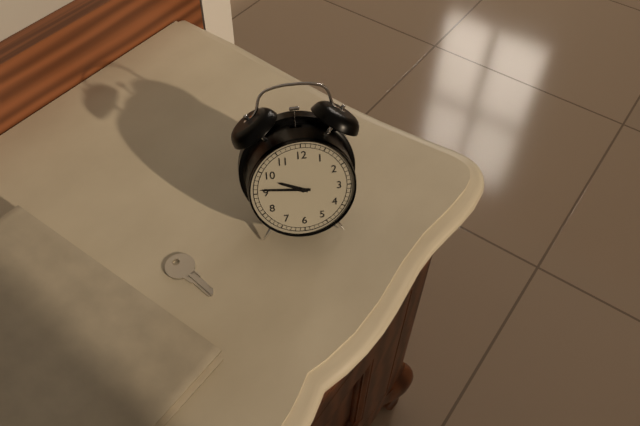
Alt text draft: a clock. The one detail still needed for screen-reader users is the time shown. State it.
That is 9:46
